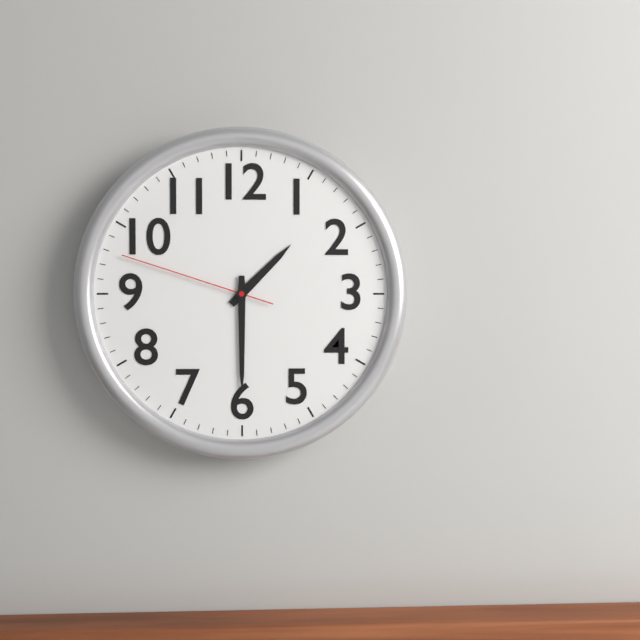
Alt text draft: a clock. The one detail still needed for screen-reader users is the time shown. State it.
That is 1:30:48
